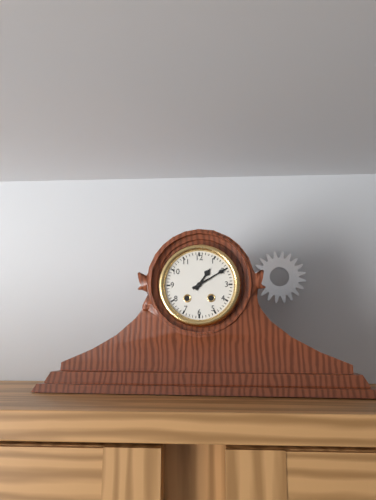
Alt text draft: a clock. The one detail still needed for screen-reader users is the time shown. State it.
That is 1:10
